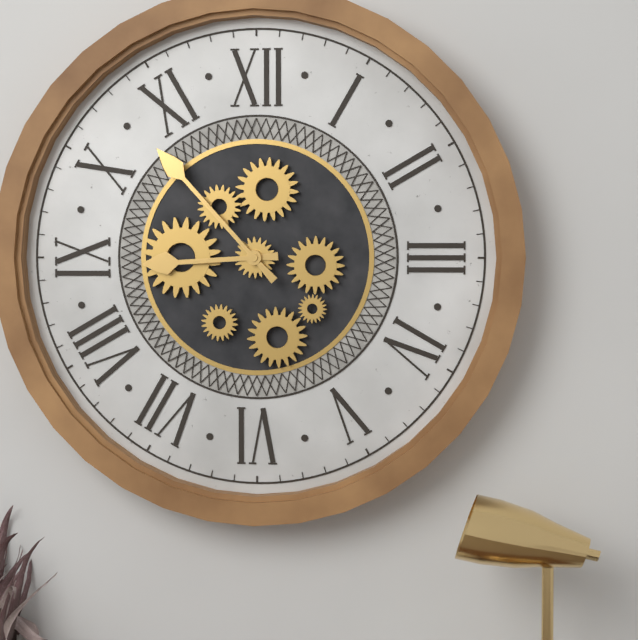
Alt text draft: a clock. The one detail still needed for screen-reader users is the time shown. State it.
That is 8:53
